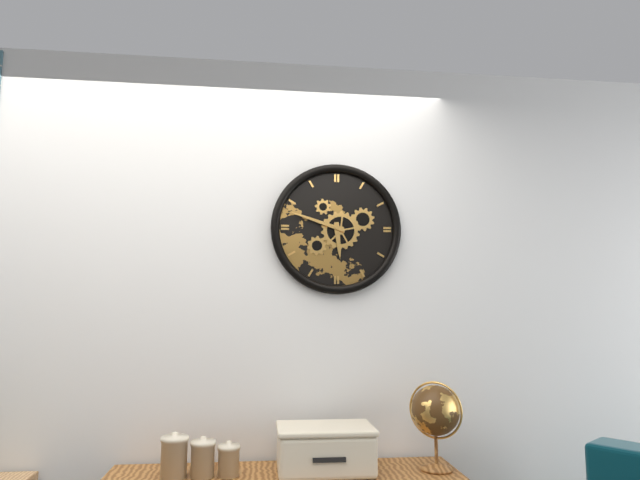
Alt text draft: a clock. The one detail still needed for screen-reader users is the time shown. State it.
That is 5:48
